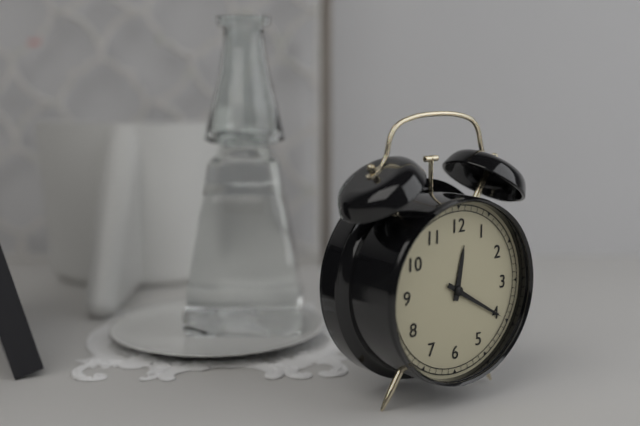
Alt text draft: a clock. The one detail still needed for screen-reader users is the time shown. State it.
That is 12:20
